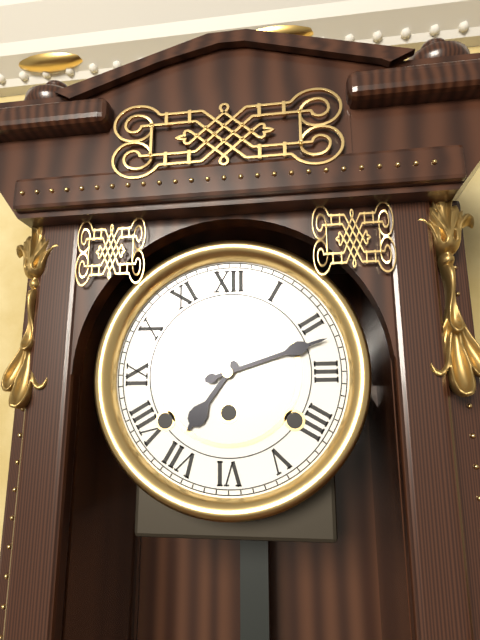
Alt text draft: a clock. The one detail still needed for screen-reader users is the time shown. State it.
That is 7:12
